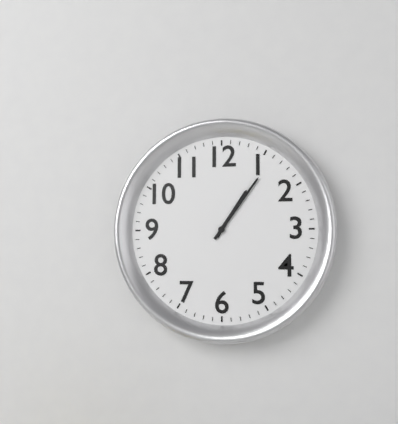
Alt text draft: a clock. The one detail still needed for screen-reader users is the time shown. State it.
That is 1:06
